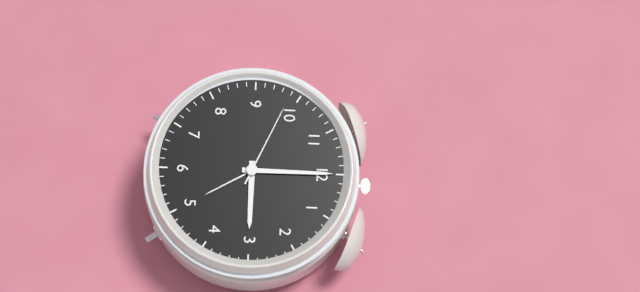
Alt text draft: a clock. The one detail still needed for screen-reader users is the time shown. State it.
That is 3:00:49
